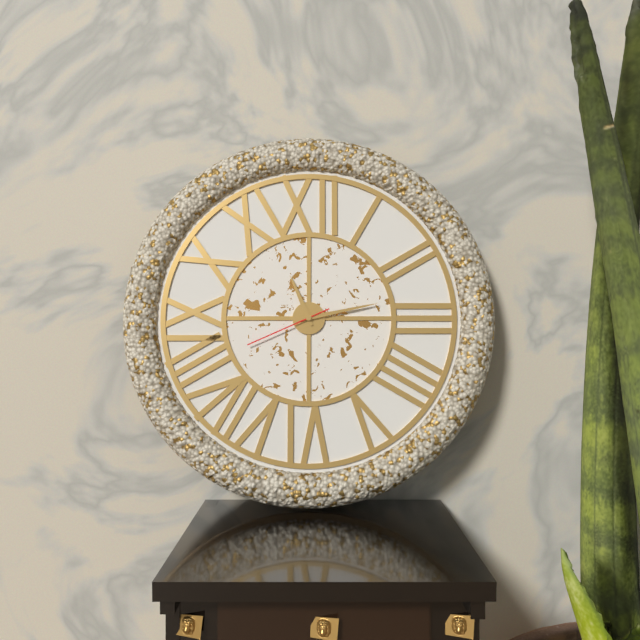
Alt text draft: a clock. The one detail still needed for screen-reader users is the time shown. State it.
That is 11:13:41
